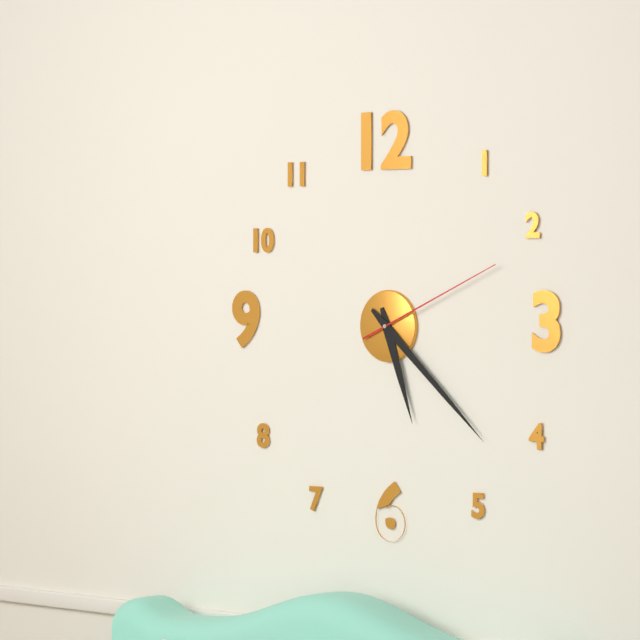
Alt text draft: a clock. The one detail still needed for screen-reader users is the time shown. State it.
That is 5:22:11
